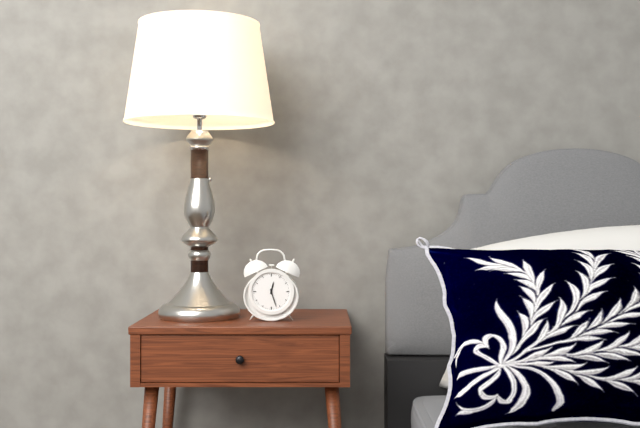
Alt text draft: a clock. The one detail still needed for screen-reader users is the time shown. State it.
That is 12:27
